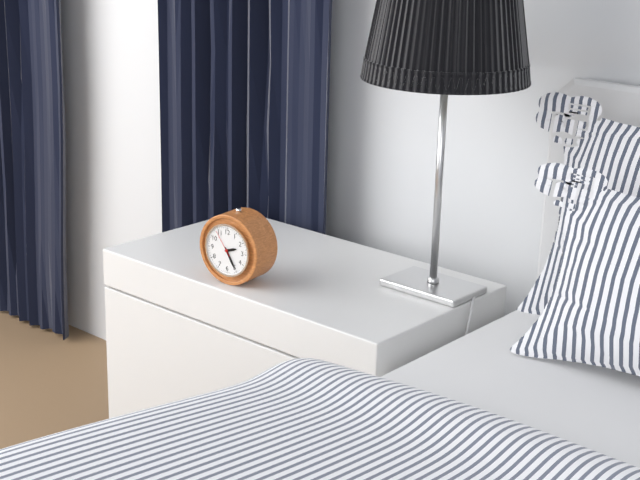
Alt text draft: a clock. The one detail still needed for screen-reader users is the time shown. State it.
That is 2:25
